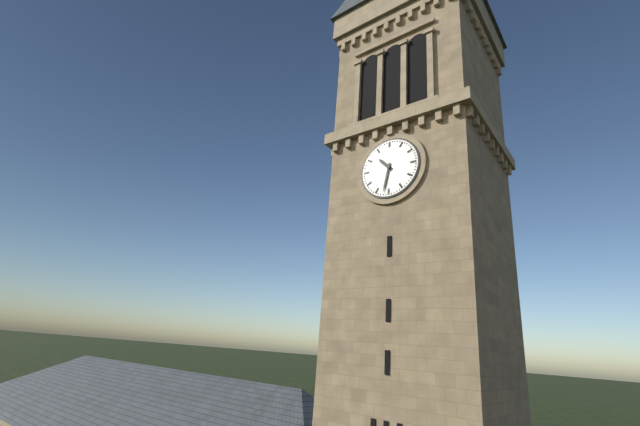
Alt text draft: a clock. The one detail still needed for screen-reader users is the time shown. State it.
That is 10:32
